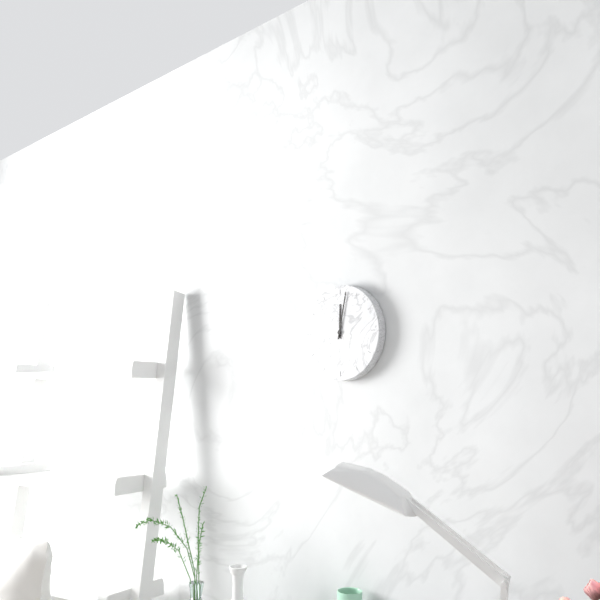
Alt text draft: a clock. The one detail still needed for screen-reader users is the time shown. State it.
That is 12:02
